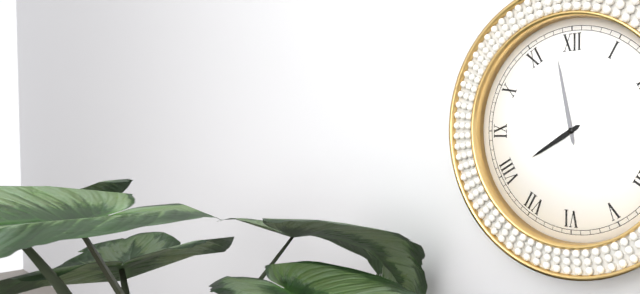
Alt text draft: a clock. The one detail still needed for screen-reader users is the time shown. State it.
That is 7:58
